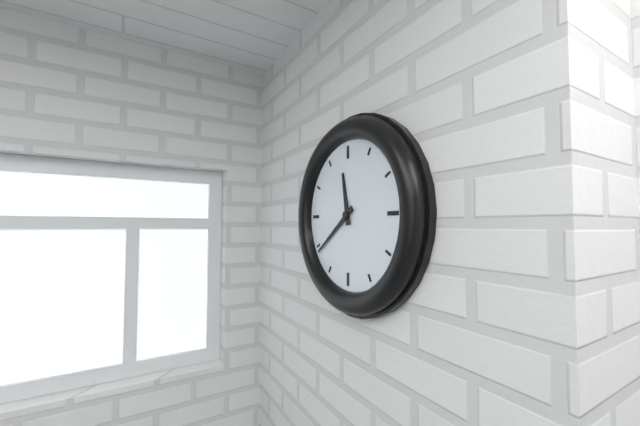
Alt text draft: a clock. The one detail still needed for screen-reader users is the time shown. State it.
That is 11:39
